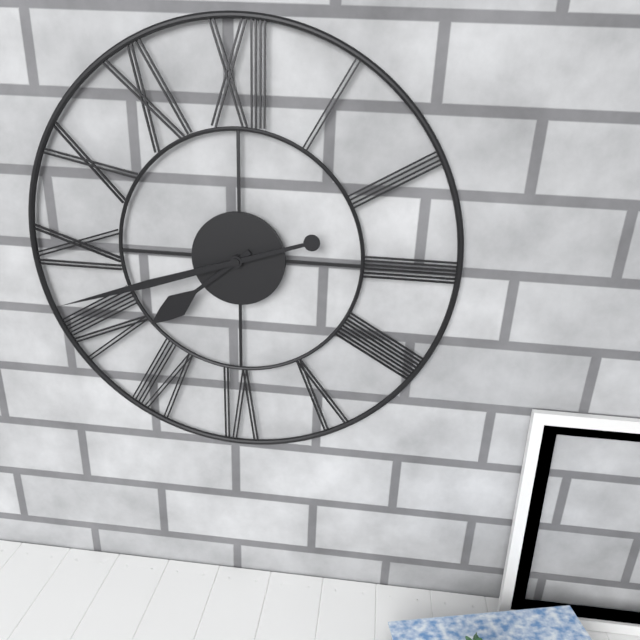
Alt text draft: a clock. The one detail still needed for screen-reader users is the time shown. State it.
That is 7:42
